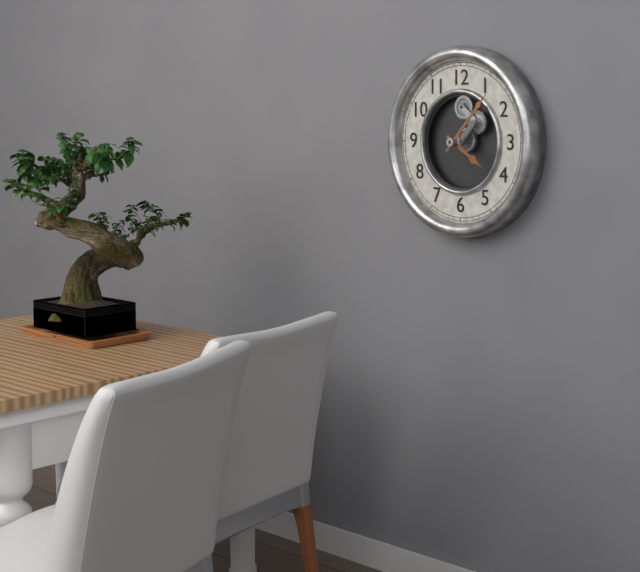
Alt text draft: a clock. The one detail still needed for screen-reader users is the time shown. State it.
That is 4:07
